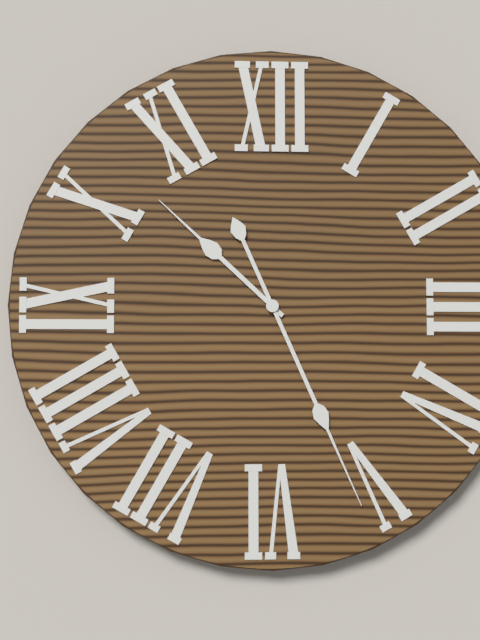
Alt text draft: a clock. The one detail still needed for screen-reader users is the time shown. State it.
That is 10:26
